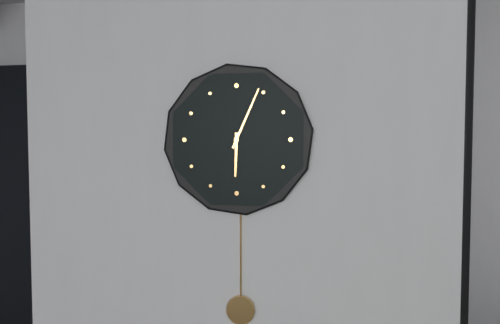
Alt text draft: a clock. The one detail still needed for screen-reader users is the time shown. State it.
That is 6:04
